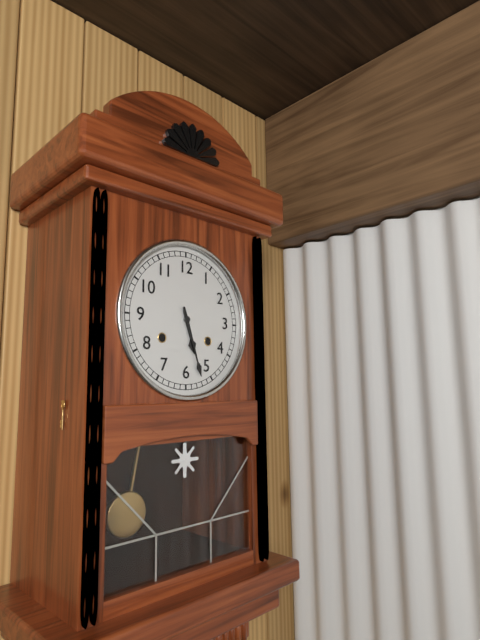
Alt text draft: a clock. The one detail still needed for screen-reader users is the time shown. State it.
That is 5:27
